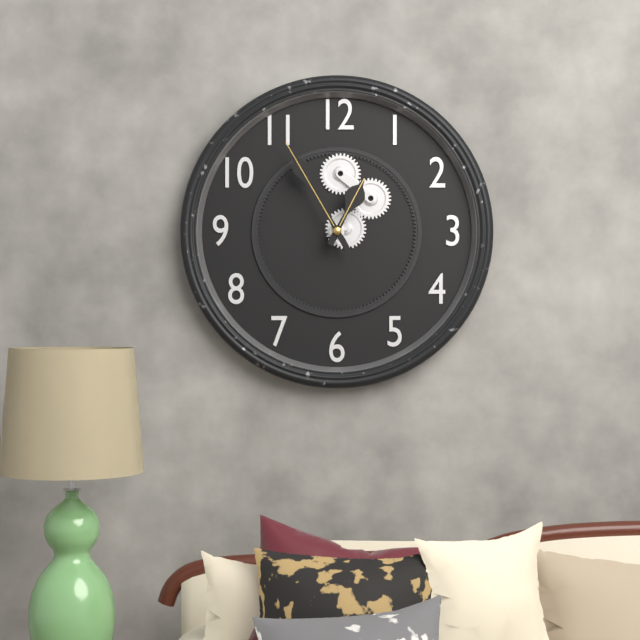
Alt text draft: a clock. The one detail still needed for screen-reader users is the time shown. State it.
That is 12:55
